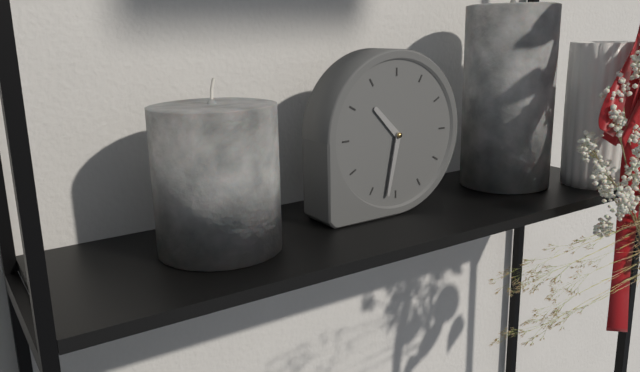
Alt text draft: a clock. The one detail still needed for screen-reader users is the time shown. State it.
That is 10:32
